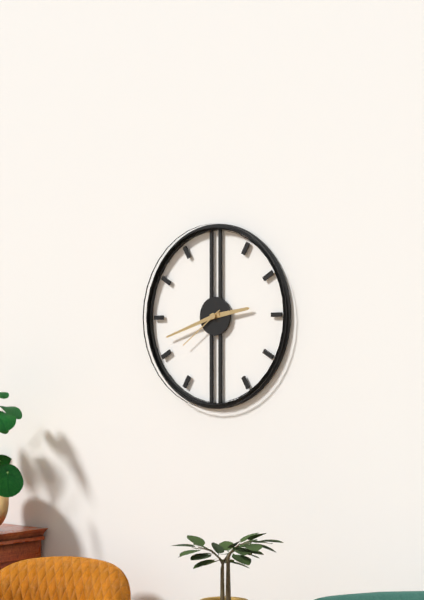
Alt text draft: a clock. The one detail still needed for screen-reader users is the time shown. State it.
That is 2:42:39
